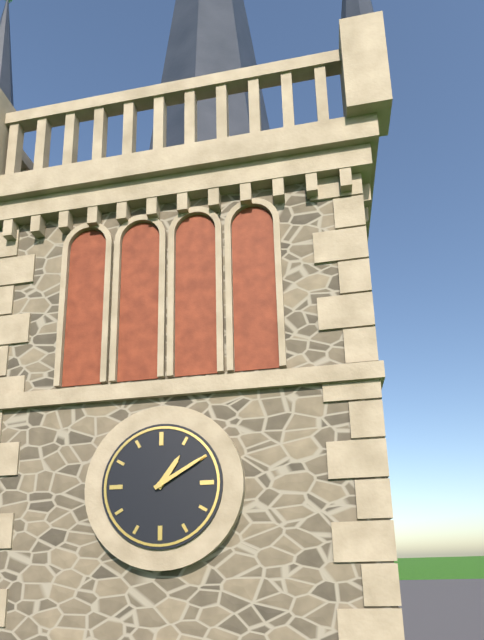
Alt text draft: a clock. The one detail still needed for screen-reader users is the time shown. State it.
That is 1:10
